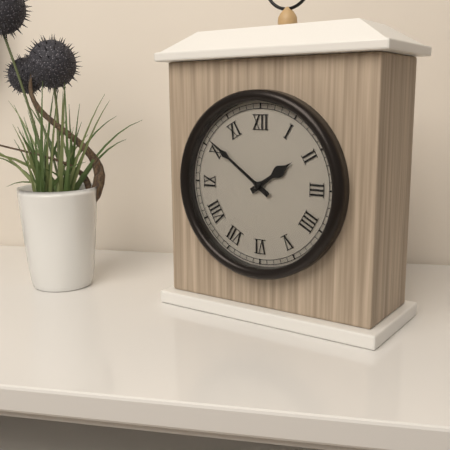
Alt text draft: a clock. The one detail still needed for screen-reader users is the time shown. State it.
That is 1:51
